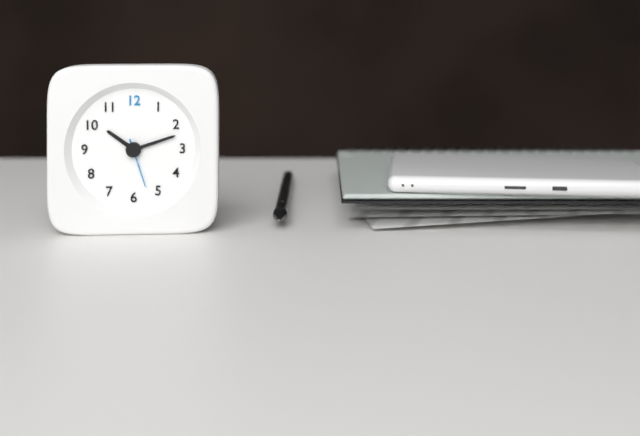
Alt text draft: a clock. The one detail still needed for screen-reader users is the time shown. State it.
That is 10:12:27
